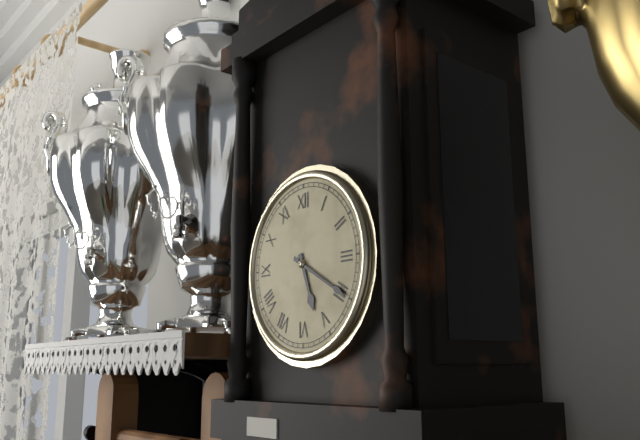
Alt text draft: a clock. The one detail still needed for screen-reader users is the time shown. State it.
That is 5:20
